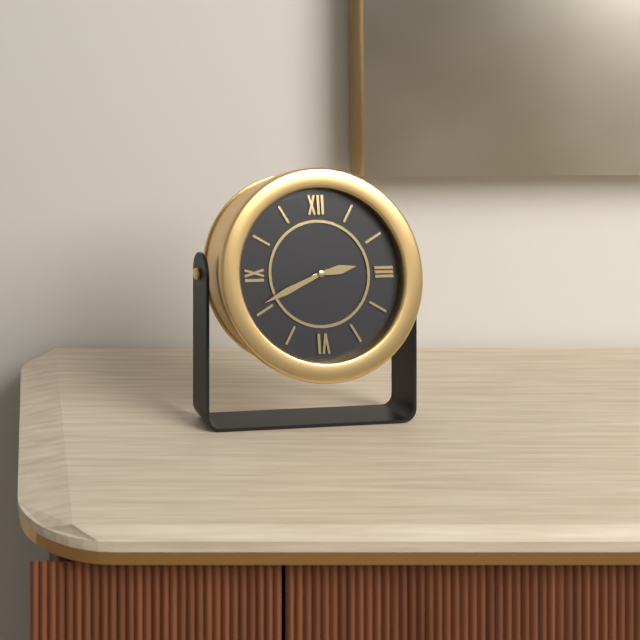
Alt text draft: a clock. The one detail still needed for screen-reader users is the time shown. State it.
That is 2:41
